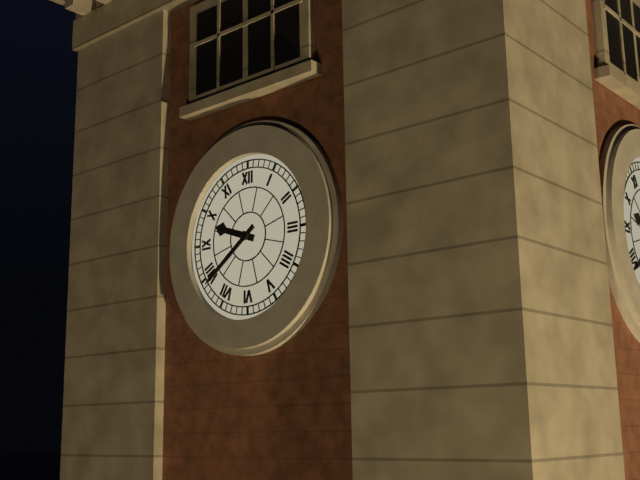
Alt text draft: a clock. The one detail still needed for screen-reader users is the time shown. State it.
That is 9:39
